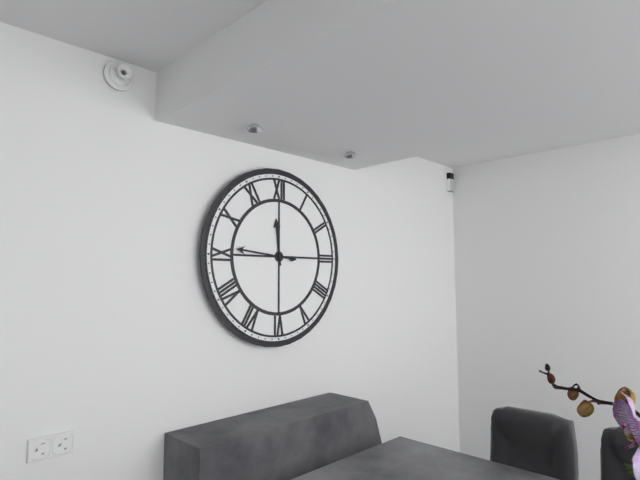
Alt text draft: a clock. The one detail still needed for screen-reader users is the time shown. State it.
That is 11:46
